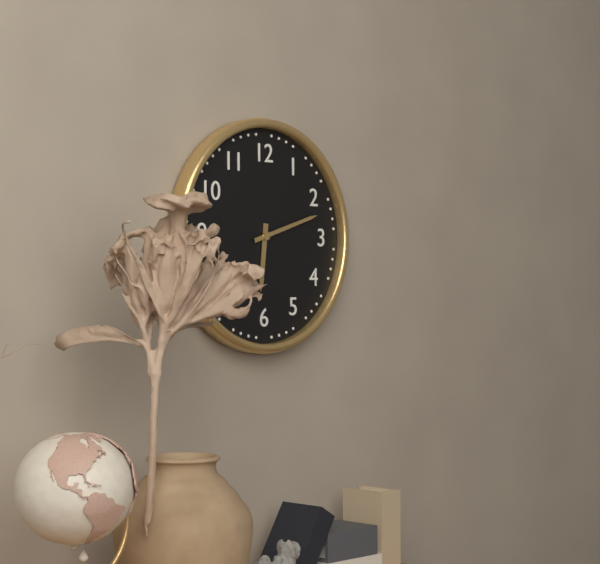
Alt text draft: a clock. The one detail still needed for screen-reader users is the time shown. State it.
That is 6:12
